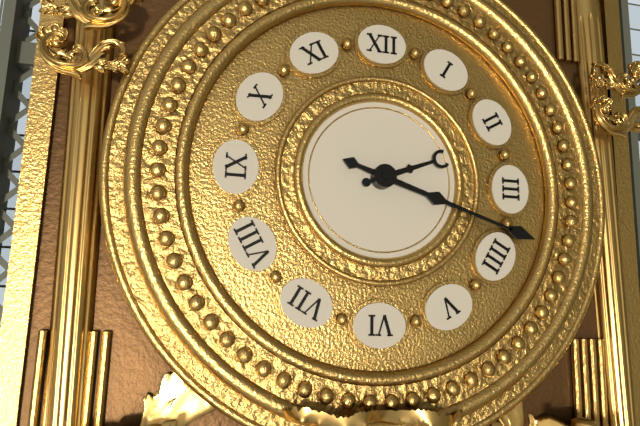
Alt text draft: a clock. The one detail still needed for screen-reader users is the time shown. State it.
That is 2:18
